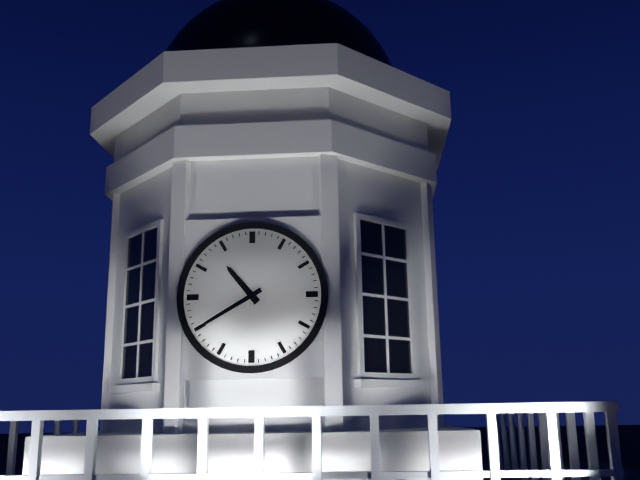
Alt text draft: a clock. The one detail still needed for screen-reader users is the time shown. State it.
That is 10:40
